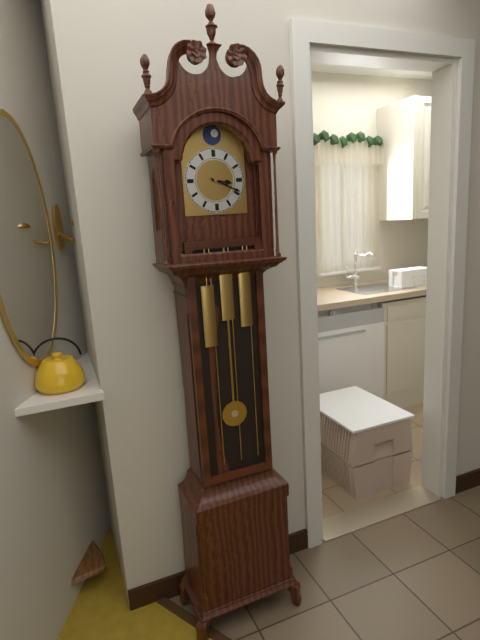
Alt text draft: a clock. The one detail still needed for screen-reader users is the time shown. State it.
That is 3:19
